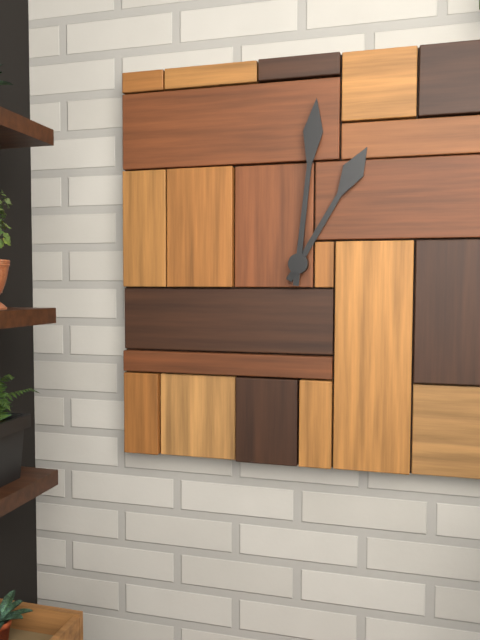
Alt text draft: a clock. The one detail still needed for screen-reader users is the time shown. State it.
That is 1:01
